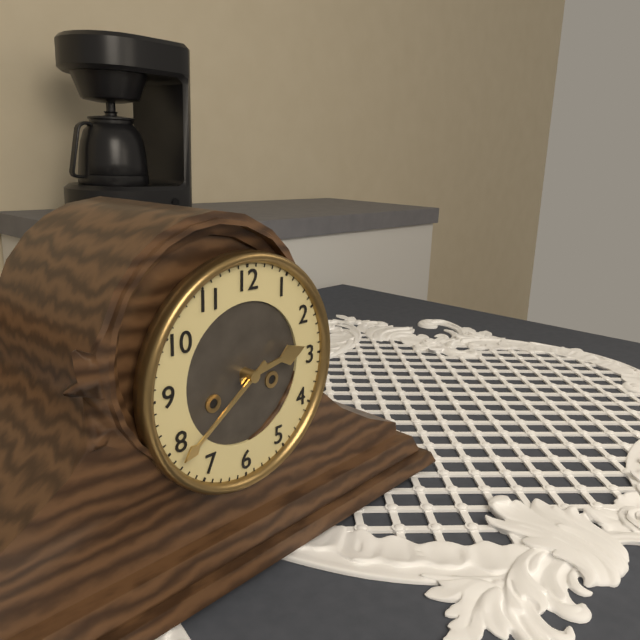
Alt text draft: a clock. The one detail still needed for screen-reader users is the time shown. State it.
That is 2:39
